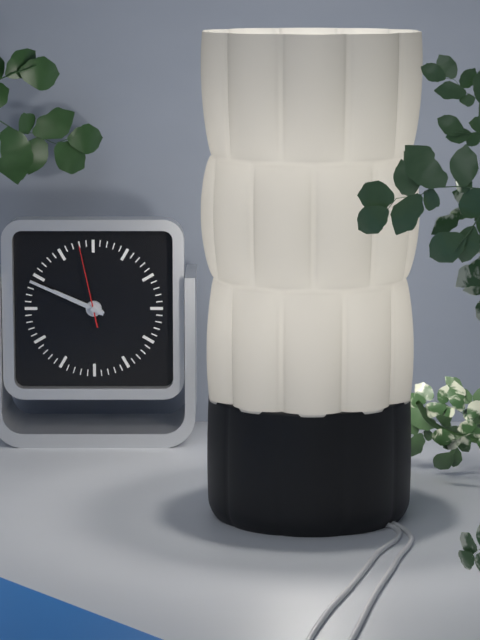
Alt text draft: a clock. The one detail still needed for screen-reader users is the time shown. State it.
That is 9:49:58
